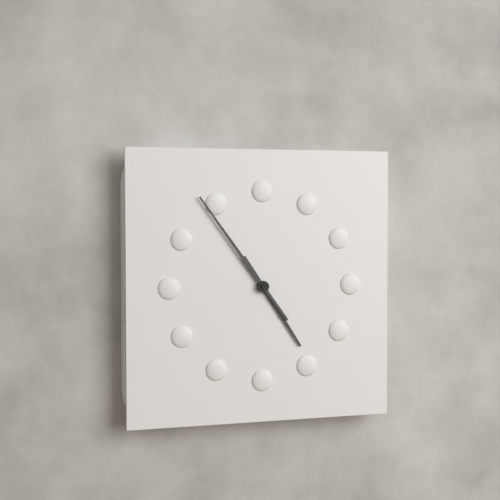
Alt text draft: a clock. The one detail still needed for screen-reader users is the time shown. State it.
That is 4:54
